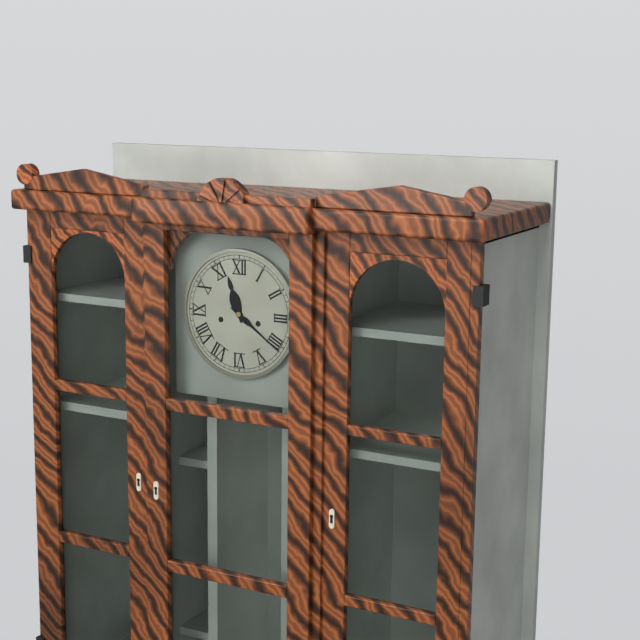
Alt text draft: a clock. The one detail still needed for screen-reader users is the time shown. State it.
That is 11:21
